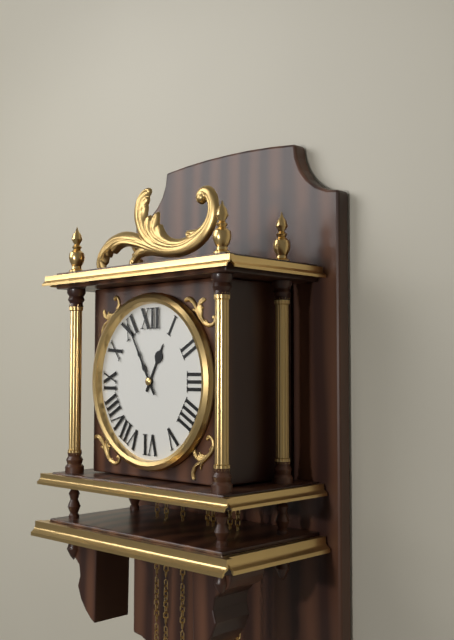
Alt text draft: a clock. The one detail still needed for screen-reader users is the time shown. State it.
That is 12:55
